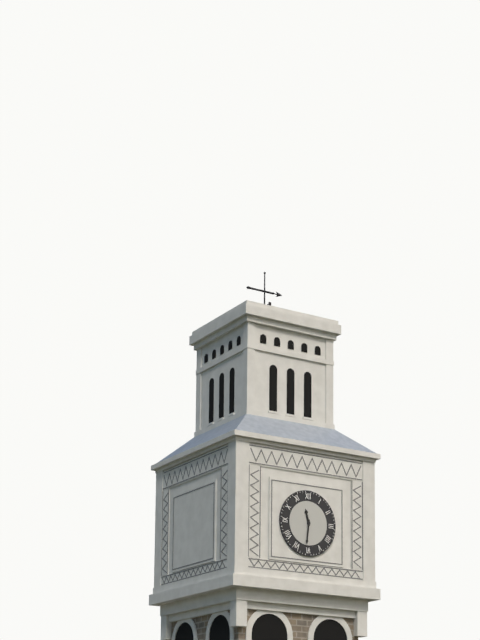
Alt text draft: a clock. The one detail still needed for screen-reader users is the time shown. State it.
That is 11:31
